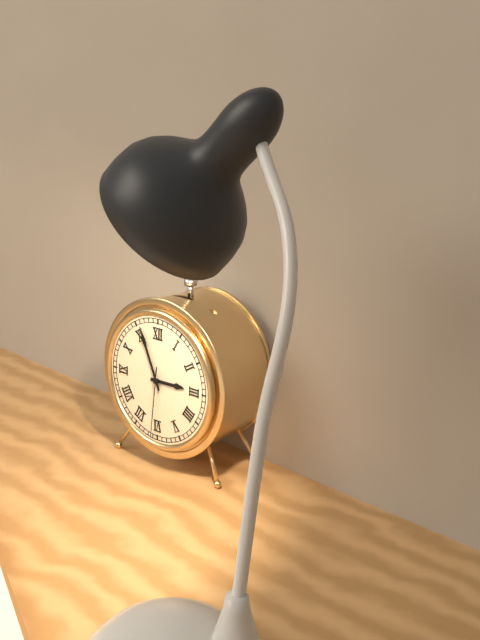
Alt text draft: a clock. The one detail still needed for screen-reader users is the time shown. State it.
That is 2:56:31
